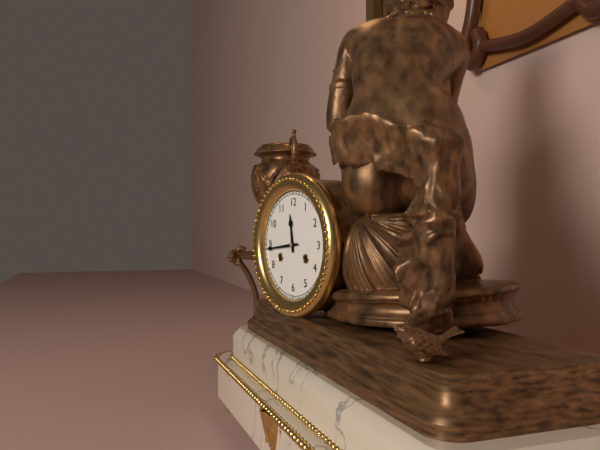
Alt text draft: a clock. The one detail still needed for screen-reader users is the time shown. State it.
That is 11:44
